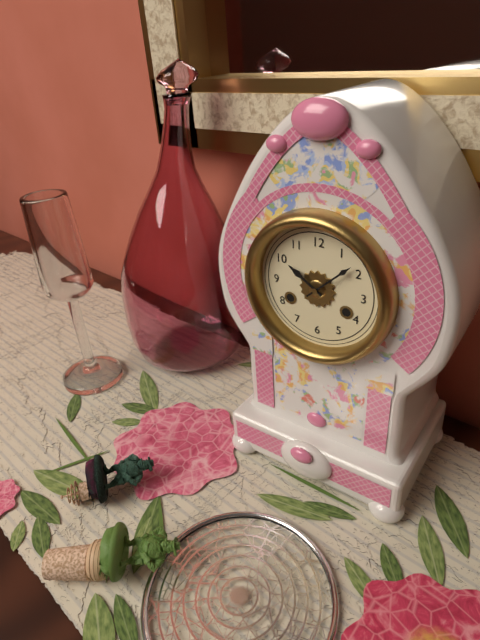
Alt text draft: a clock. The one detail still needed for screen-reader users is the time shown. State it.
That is 10:08
